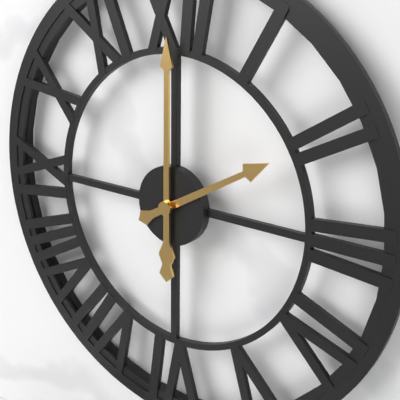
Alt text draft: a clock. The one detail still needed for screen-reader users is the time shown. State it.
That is 2:00
